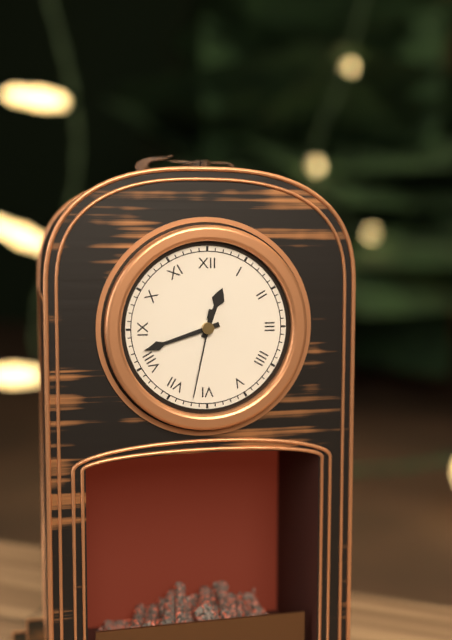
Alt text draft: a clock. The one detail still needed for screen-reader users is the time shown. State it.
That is 12:42:32
